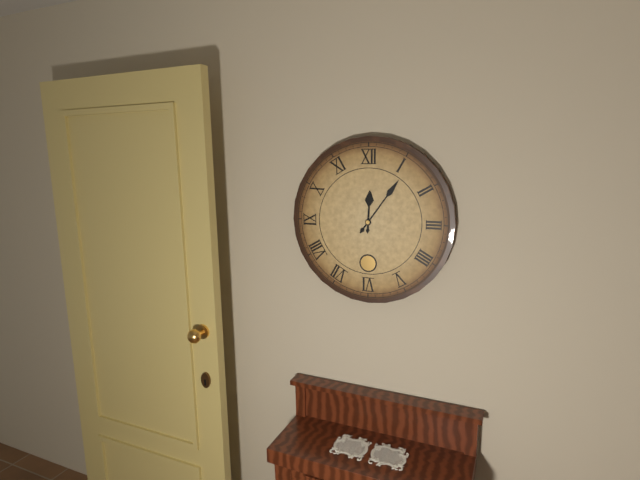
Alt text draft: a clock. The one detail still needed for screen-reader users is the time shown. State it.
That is 12:06
